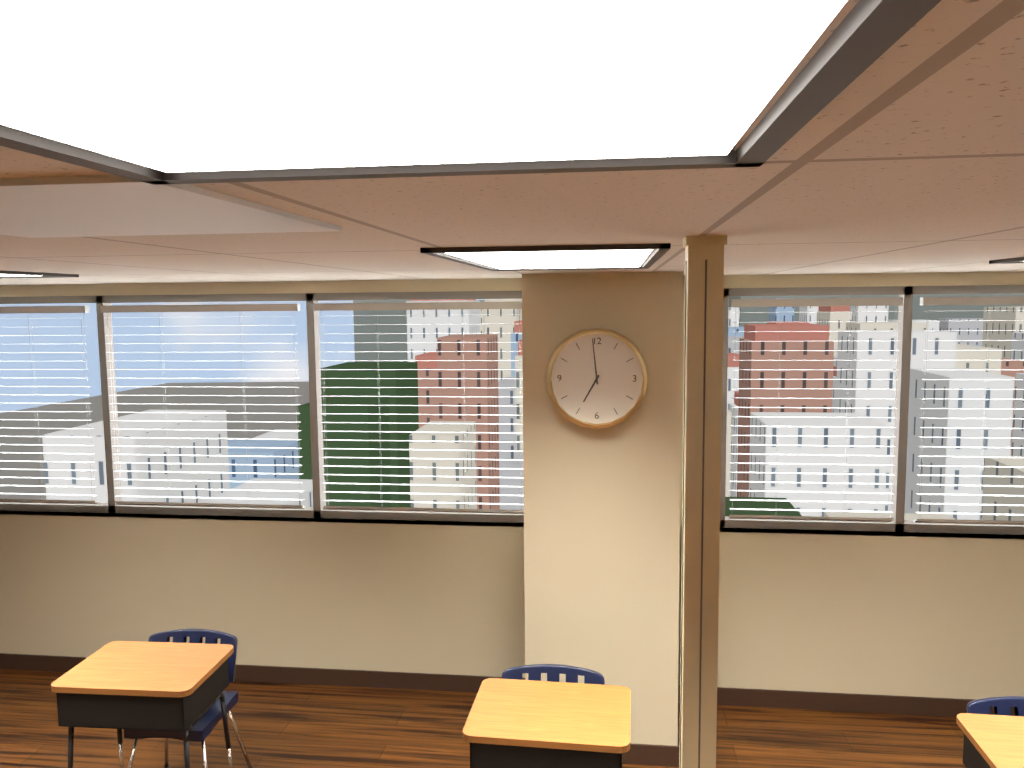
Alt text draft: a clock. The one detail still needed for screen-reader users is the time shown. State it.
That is 6:59
